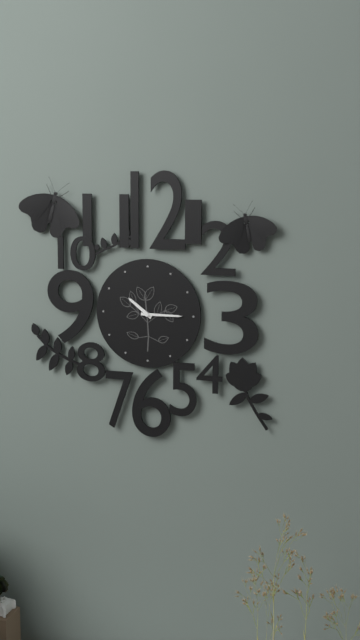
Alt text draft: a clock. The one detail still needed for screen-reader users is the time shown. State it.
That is 10:15
